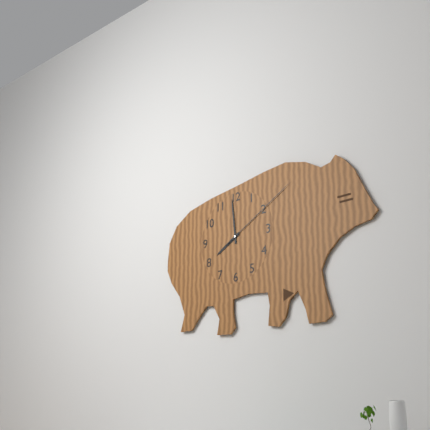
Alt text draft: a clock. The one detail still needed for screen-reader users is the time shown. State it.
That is 7:59:10
